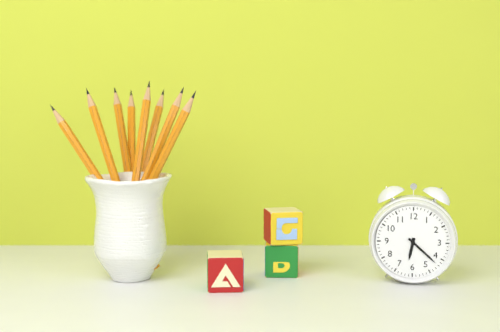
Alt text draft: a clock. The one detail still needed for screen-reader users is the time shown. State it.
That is 6:22
